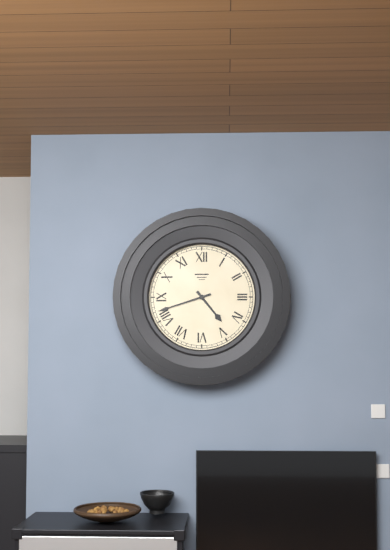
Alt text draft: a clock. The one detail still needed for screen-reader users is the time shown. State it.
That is 4:42
